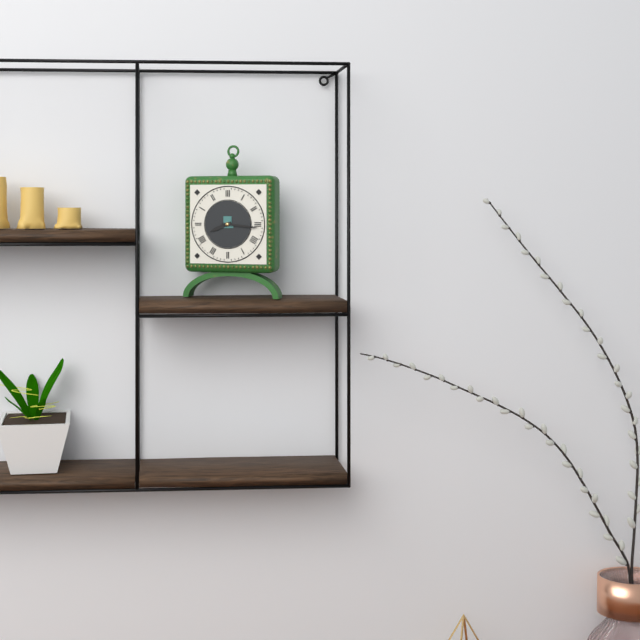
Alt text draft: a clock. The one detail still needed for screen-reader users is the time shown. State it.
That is 8:16
